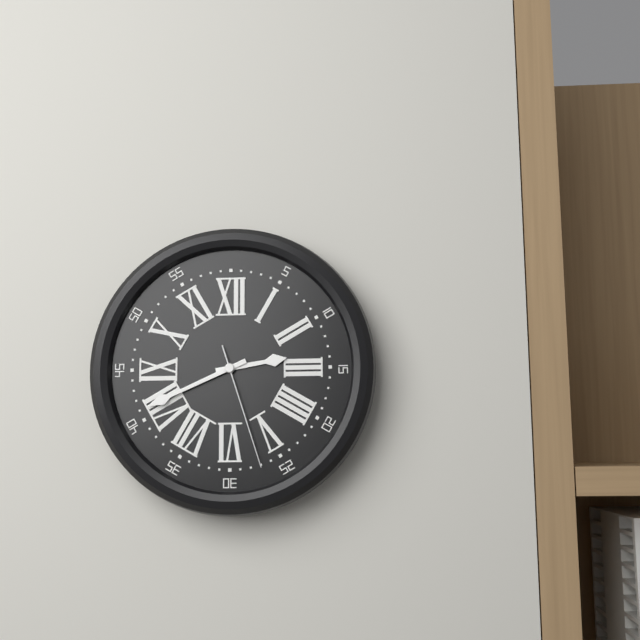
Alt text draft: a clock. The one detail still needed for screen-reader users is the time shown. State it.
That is 2:41:27
